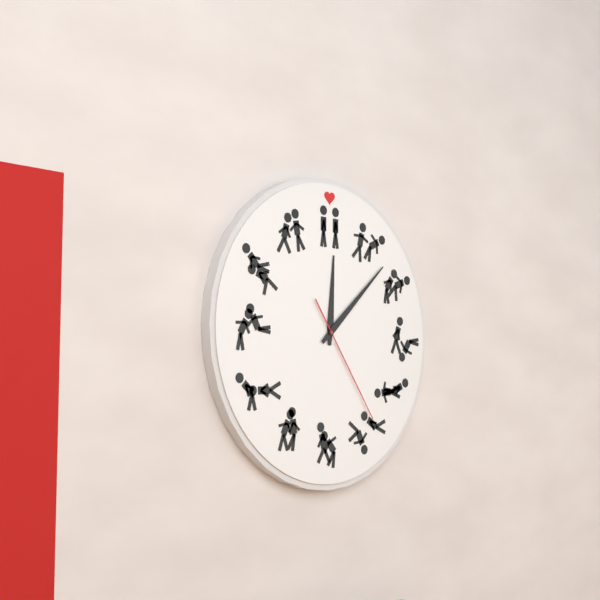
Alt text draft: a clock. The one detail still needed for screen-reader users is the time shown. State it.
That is 12:08:24
